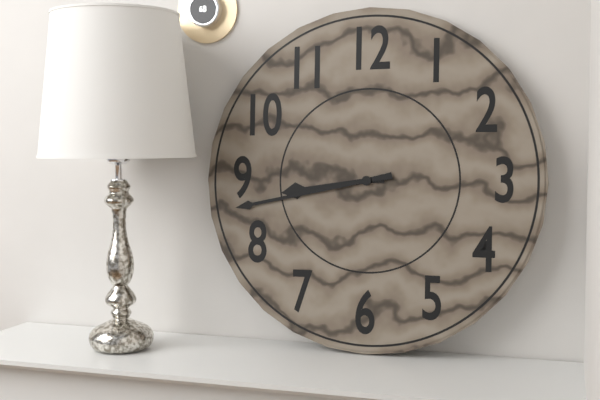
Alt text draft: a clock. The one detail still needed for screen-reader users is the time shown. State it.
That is 8:43
